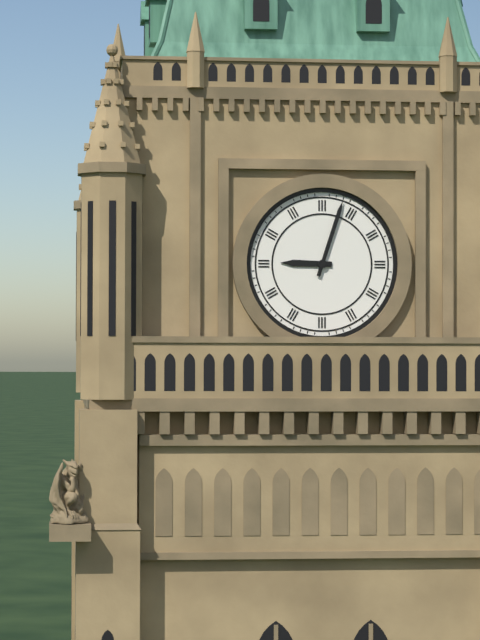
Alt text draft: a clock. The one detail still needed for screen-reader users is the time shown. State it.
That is 9:03
